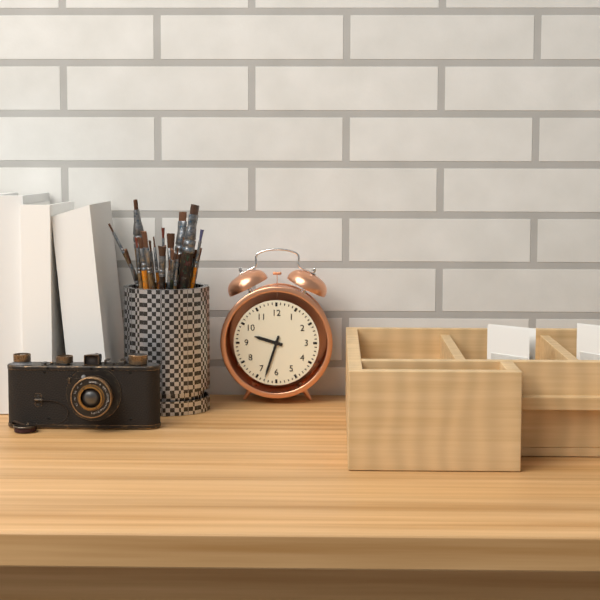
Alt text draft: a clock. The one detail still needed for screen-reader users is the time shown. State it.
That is 9:33
